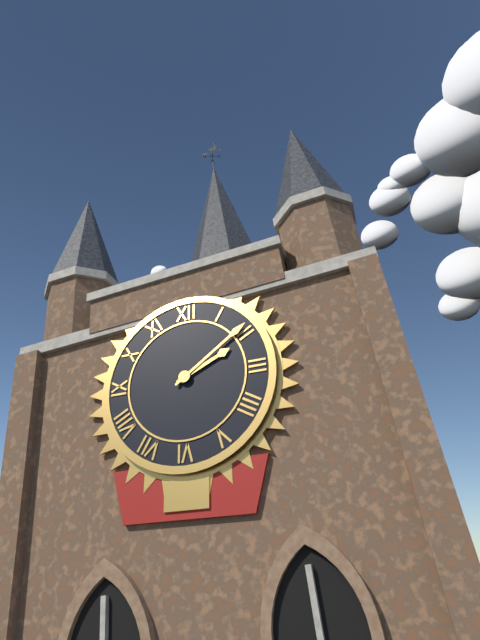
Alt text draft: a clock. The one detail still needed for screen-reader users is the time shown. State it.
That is 2:09
